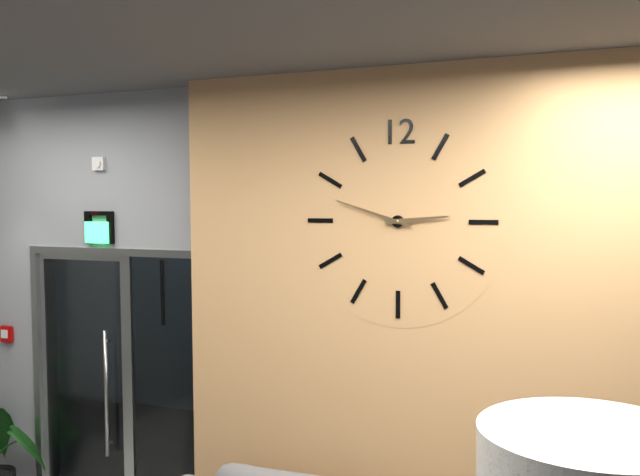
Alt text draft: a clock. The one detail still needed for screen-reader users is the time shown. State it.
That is 2:48
